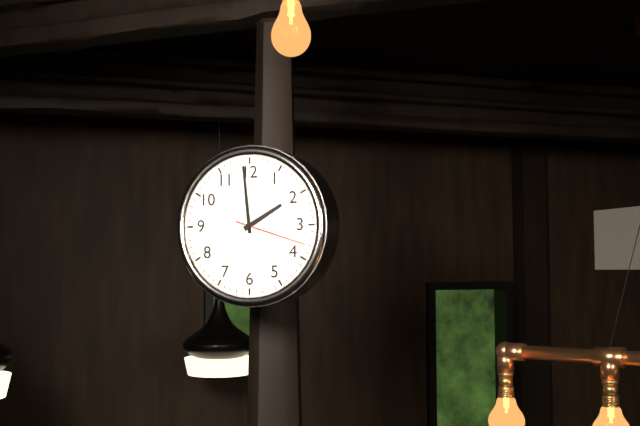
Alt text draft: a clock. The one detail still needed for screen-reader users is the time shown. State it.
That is 1:59:18
